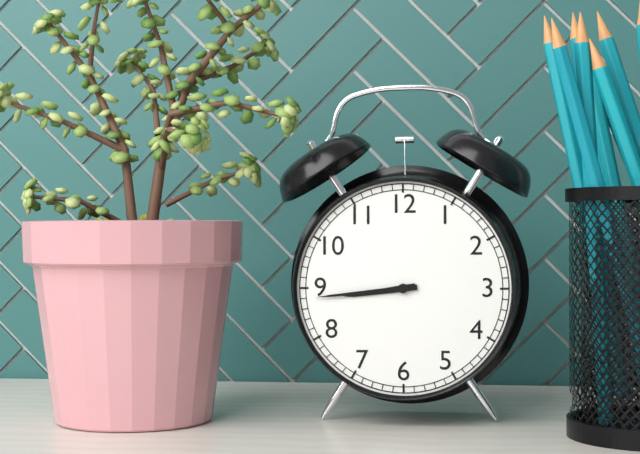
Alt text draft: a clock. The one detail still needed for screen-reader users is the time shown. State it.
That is 8:44
